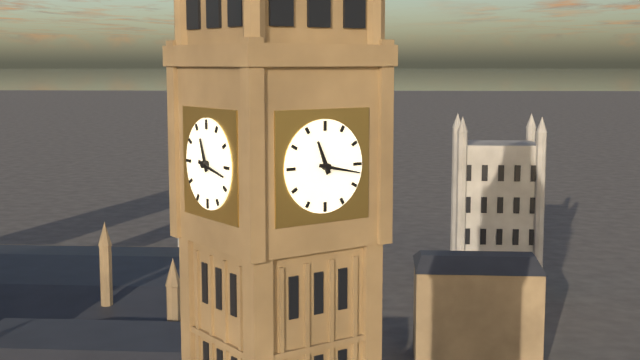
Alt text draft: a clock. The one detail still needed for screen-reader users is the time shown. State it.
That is 11:17
